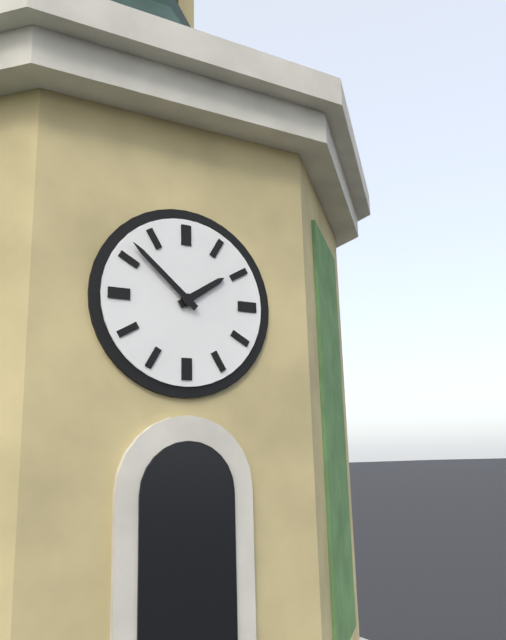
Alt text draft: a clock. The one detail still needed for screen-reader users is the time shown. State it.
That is 1:52
